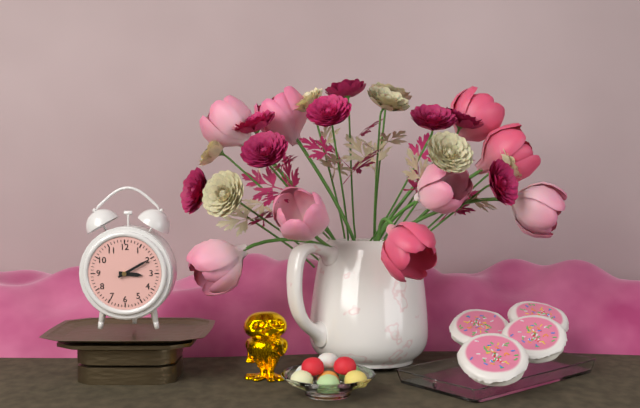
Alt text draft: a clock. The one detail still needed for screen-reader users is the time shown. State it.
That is 3:10
